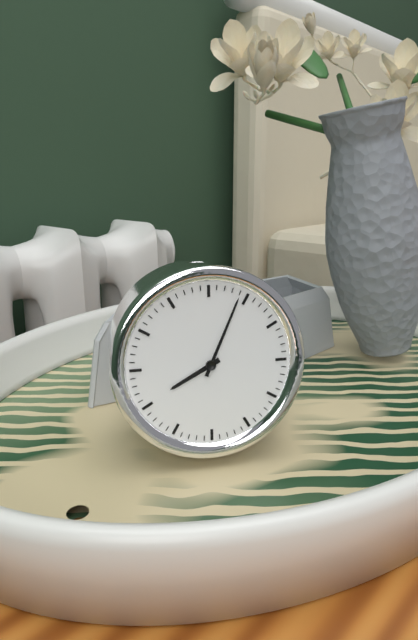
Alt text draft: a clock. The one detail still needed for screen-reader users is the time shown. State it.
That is 8:04
